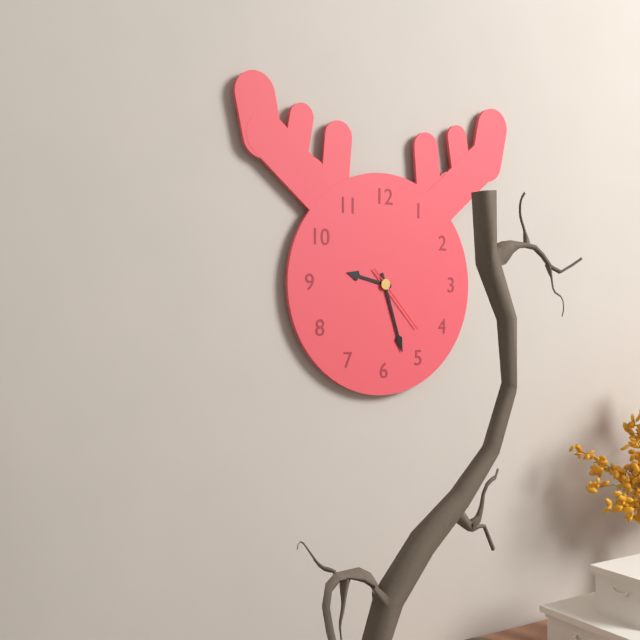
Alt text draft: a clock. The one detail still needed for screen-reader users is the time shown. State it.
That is 9:27:23
